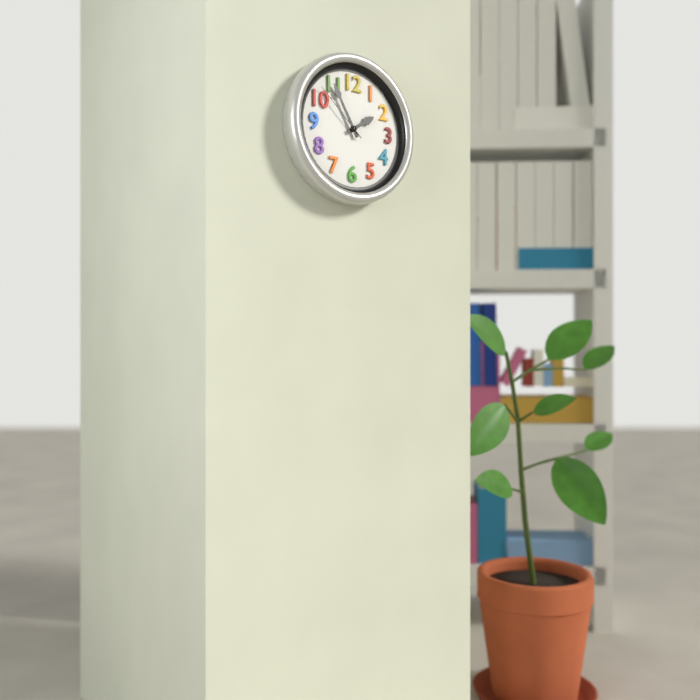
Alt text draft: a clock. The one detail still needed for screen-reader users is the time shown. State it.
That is 1:55:52
